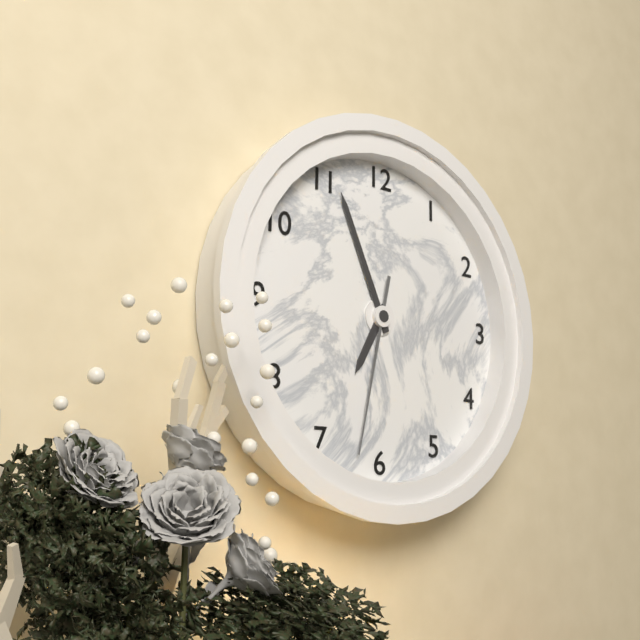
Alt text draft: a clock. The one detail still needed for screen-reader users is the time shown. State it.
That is 6:56:32
